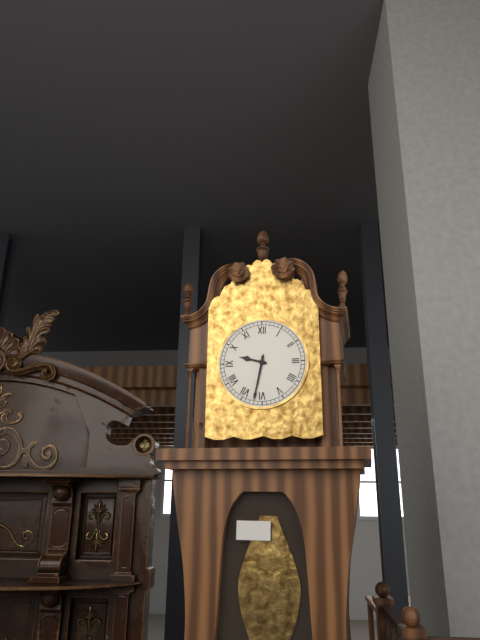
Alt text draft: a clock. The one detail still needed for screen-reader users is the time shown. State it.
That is 9:32
